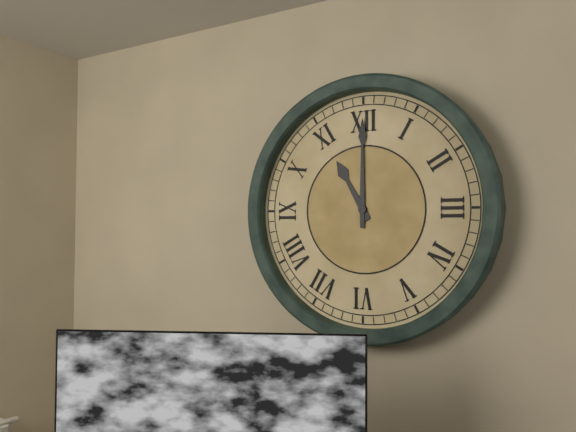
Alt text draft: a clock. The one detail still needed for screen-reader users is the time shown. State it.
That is 11:00
